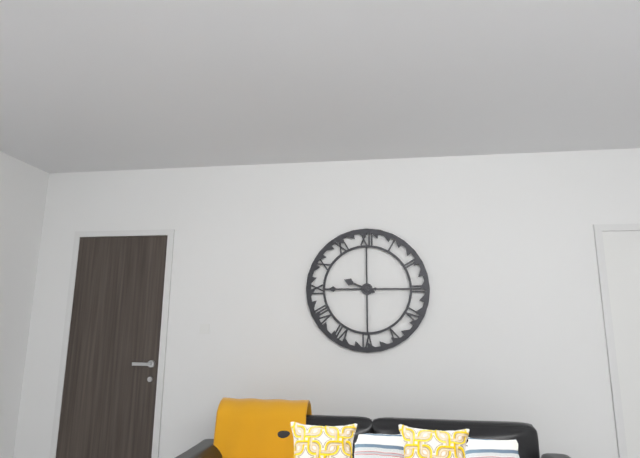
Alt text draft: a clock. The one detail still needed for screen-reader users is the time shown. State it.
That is 9:45
